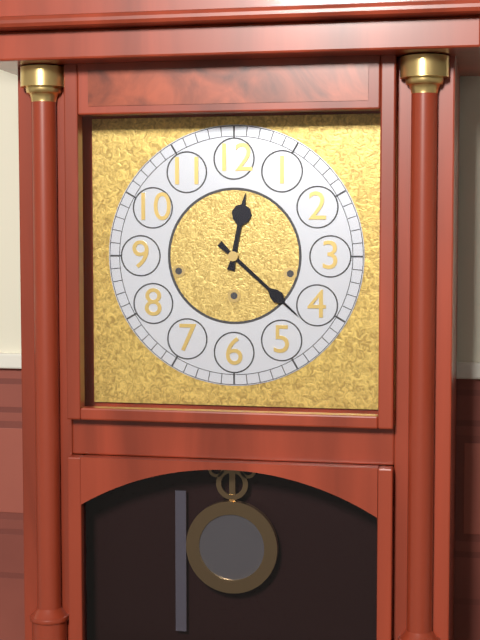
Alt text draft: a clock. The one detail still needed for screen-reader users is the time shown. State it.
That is 12:22
